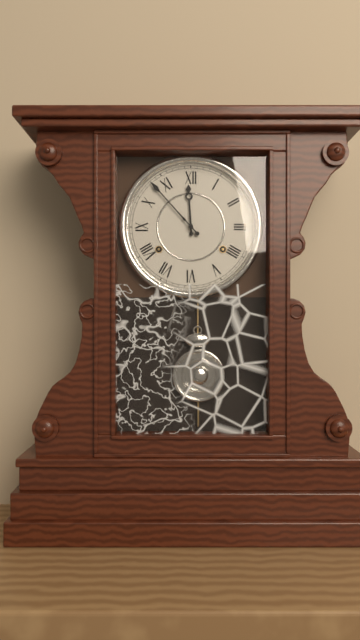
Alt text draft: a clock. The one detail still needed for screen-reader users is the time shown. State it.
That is 11:53
